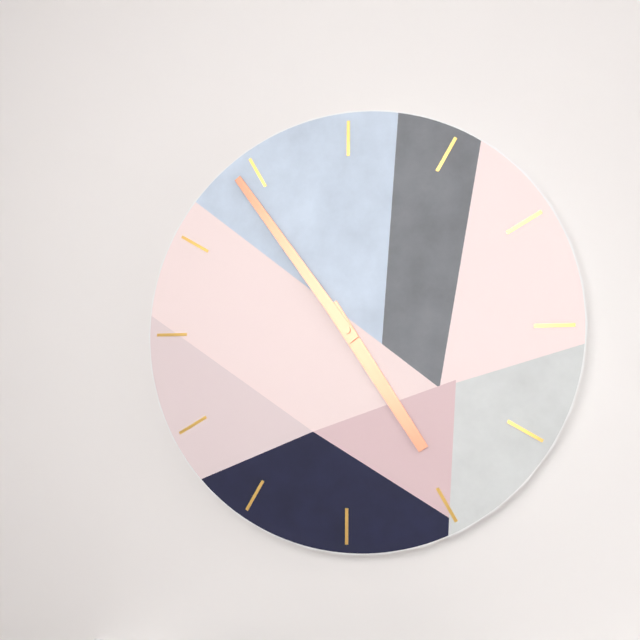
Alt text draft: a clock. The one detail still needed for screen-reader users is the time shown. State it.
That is 4:54
